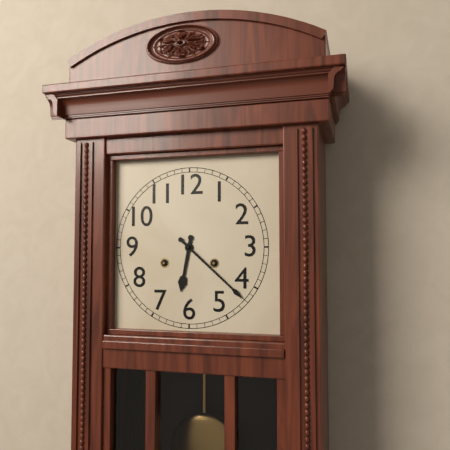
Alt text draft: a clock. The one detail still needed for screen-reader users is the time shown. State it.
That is 6:22
